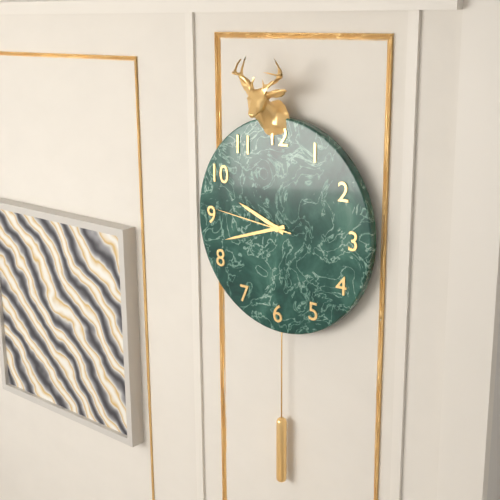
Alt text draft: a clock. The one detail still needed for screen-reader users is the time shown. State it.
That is 9:42:46
